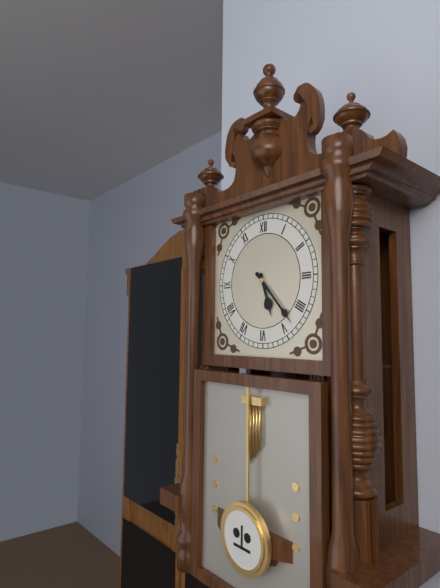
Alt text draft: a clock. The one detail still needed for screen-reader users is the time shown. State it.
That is 5:23
